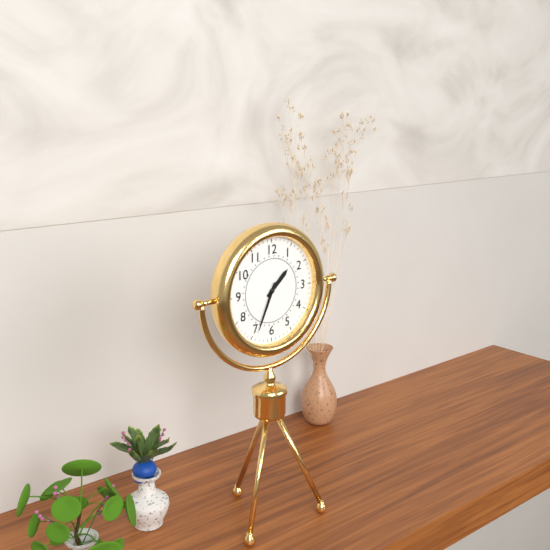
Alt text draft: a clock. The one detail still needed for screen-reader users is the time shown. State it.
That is 1:34
